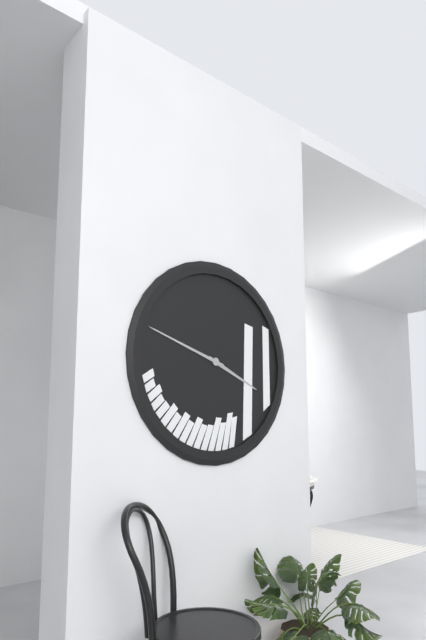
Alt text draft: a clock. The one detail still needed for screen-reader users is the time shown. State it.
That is 3:48
